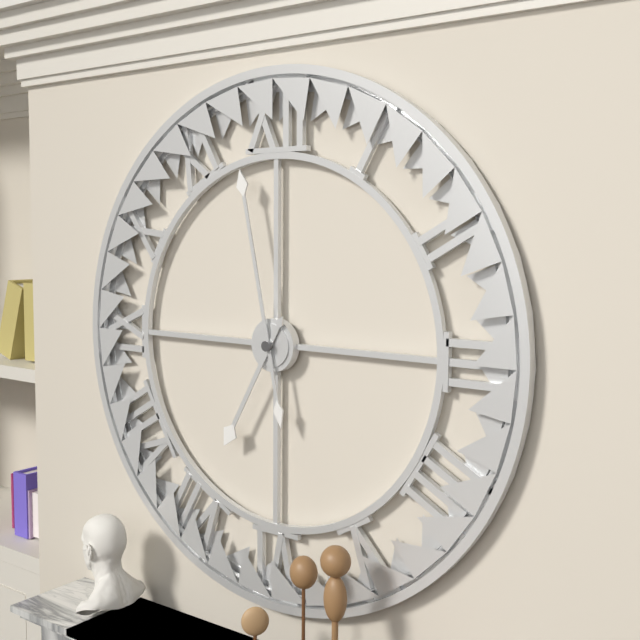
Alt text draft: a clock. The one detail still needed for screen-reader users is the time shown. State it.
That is 6:58
